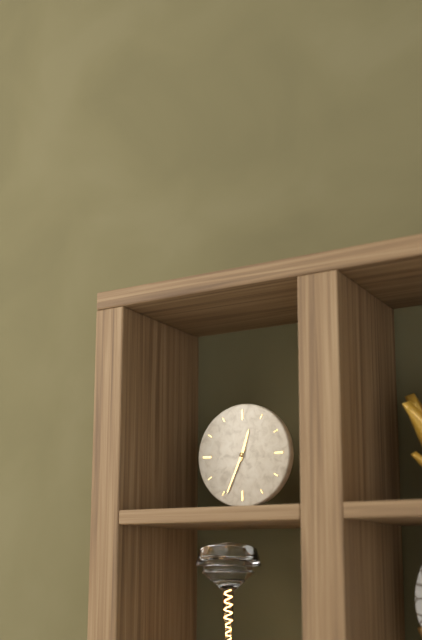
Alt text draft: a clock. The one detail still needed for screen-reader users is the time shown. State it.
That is 12:34
